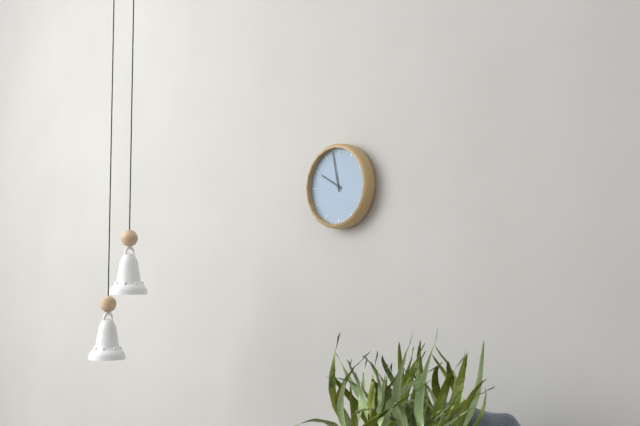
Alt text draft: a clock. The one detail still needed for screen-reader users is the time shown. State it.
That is 9:58
